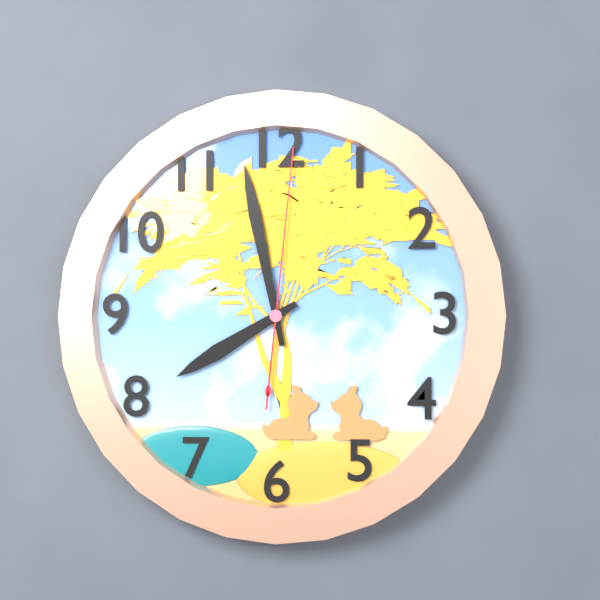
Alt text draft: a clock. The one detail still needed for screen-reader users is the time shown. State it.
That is 7:58:01
